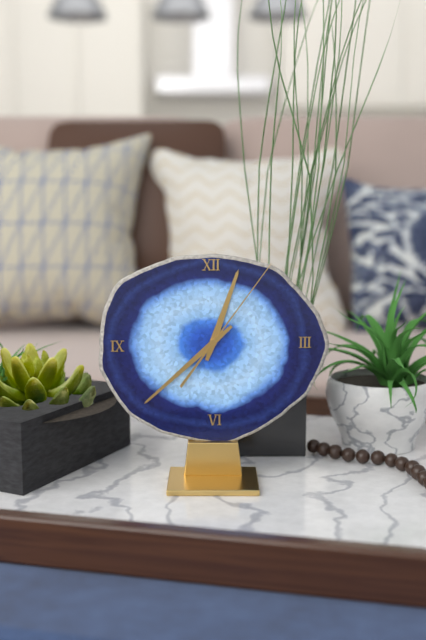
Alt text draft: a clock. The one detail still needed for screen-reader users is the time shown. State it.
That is 12:38:06
